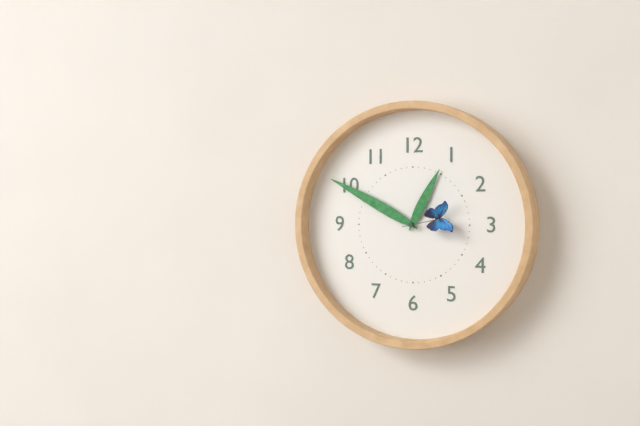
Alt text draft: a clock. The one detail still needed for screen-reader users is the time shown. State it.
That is 12:50:13
